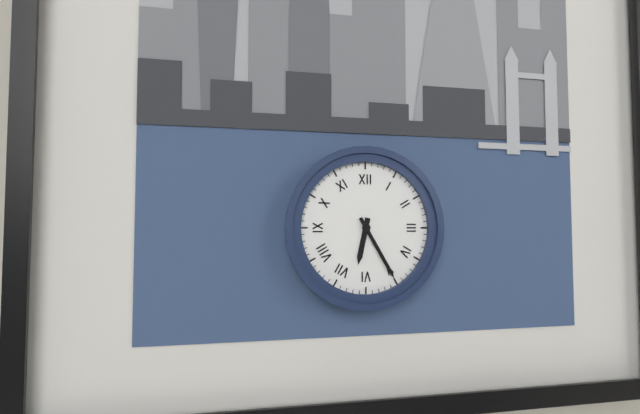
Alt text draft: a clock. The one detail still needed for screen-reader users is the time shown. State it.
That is 6:25
